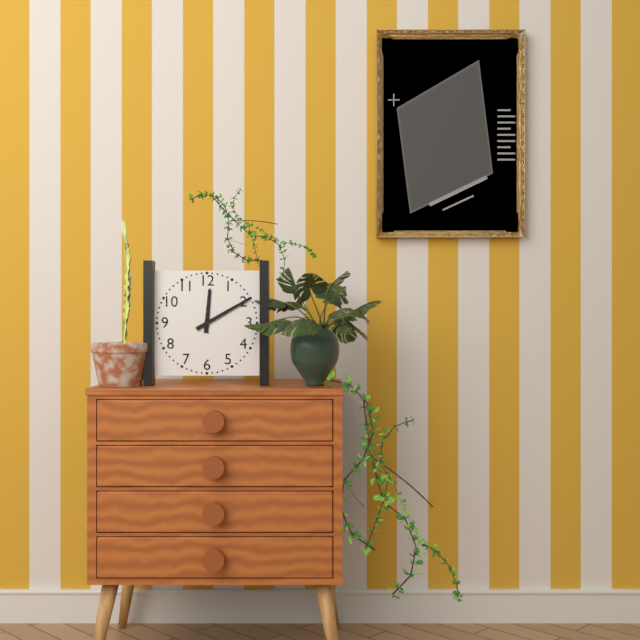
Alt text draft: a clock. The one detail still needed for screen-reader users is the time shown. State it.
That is 12:10
